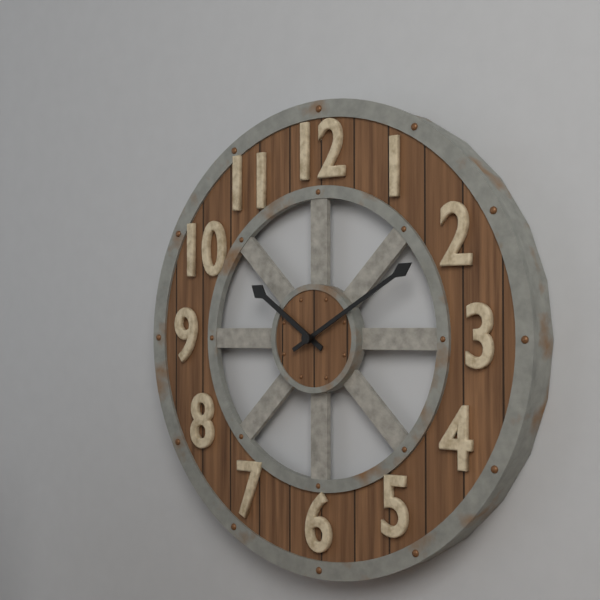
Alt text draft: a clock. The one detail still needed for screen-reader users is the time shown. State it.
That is 10:10
